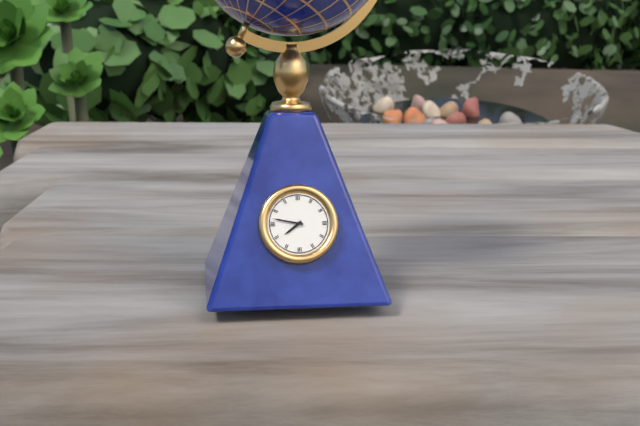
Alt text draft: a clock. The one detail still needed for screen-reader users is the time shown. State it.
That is 7:47
